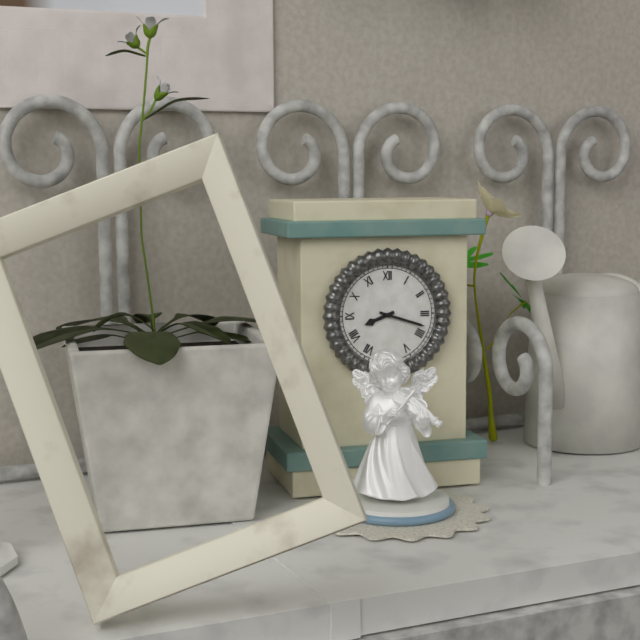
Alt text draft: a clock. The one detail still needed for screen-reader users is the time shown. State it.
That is 8:18
